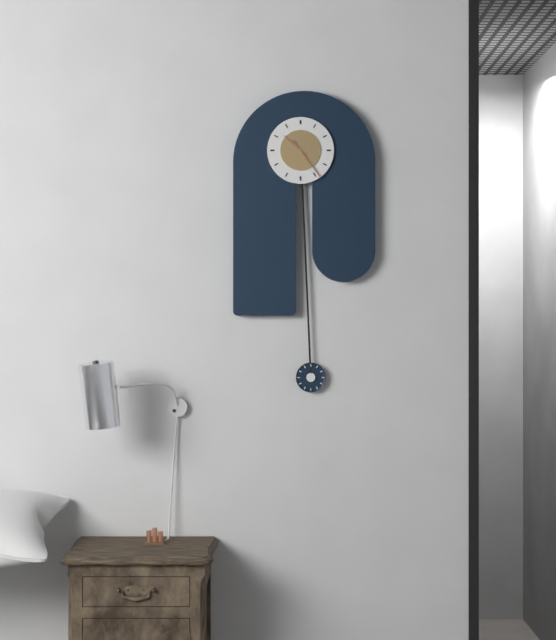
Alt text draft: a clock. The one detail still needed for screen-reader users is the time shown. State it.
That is 10:24
